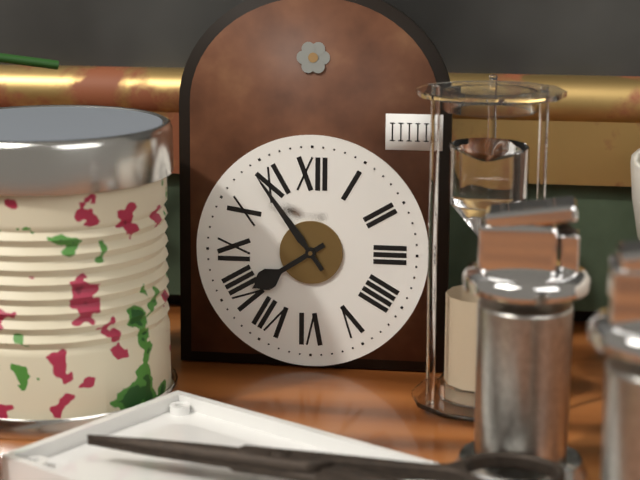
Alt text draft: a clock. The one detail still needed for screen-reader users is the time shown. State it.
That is 7:54
